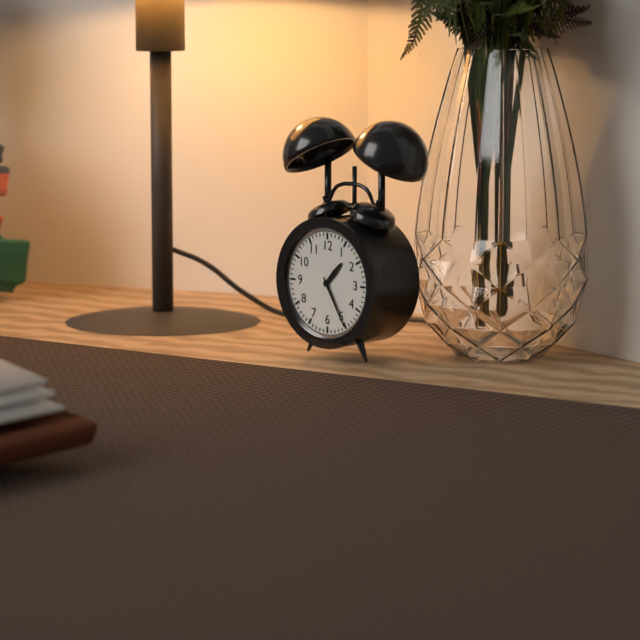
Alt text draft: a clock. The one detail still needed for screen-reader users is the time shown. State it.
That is 1:25
